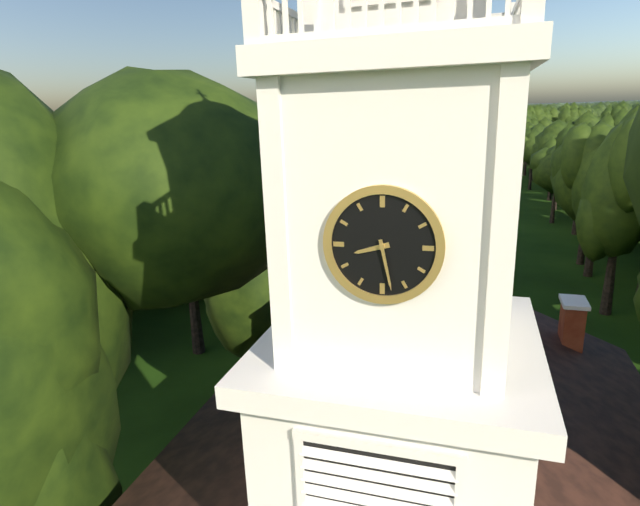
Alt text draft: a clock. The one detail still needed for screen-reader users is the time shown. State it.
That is 8:28
